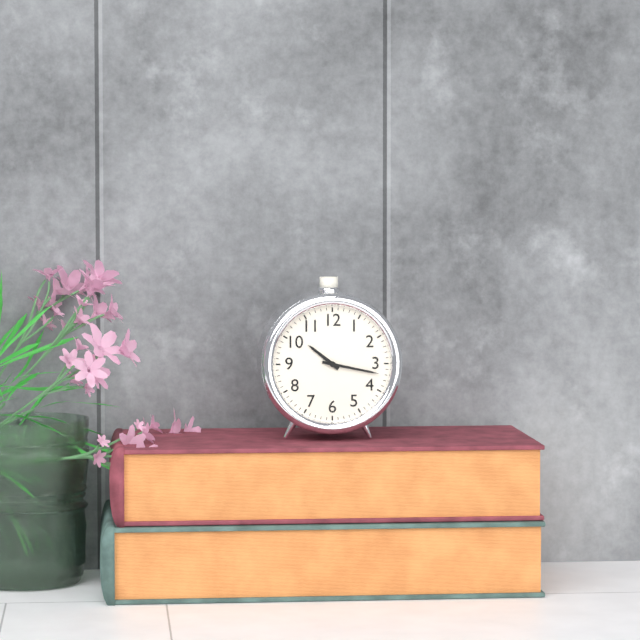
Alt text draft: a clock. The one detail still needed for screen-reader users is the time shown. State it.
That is 10:17
